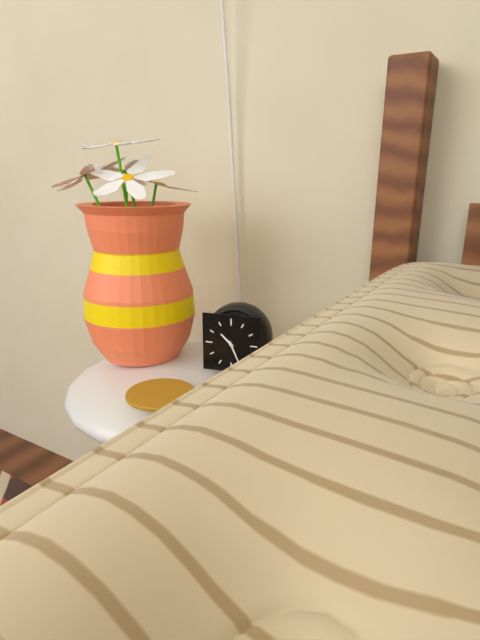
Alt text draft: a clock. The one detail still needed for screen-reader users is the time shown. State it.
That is 10:26
